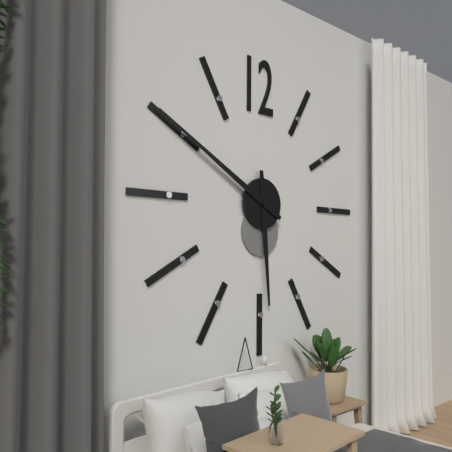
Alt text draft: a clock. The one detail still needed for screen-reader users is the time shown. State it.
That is 5:50
